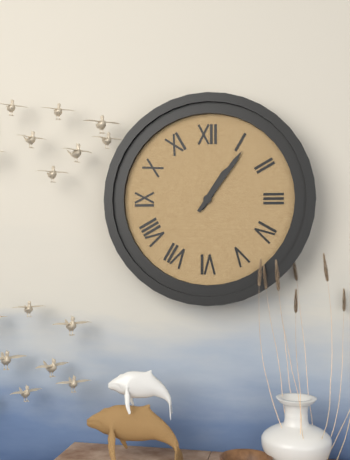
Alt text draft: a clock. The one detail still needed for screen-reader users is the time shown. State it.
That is 1:06
